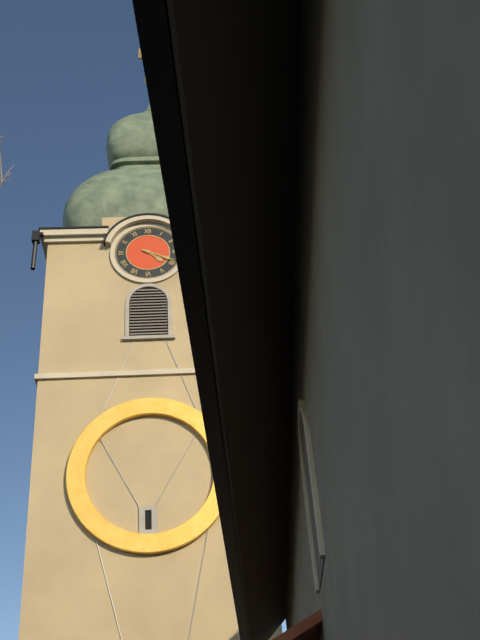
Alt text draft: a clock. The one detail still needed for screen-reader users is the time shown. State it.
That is 4:19
